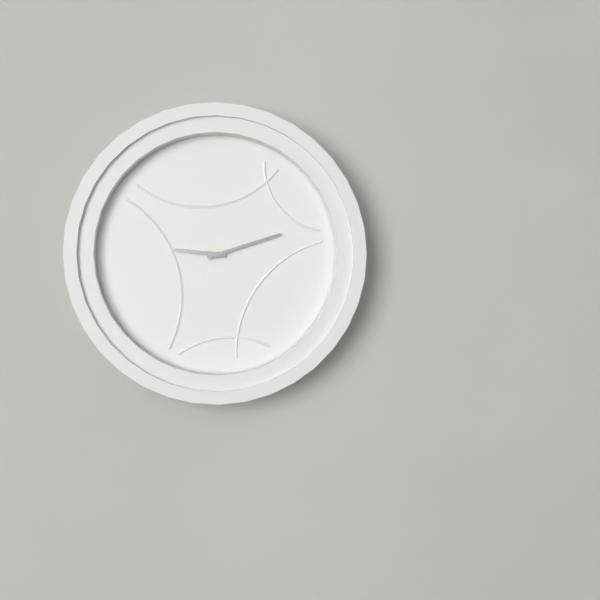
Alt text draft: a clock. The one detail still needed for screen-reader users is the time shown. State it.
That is 9:12
